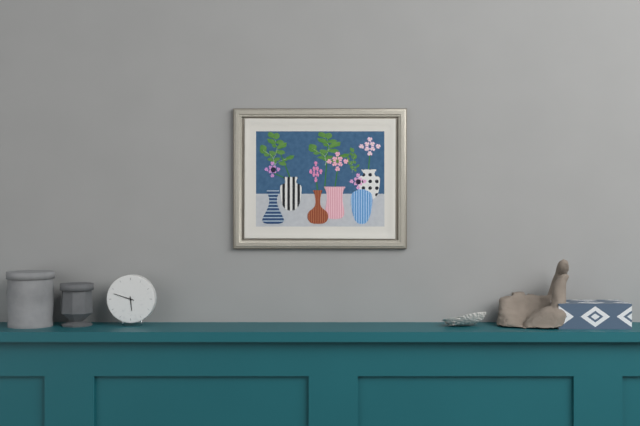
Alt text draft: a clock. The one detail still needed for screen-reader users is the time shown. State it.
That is 5:48
